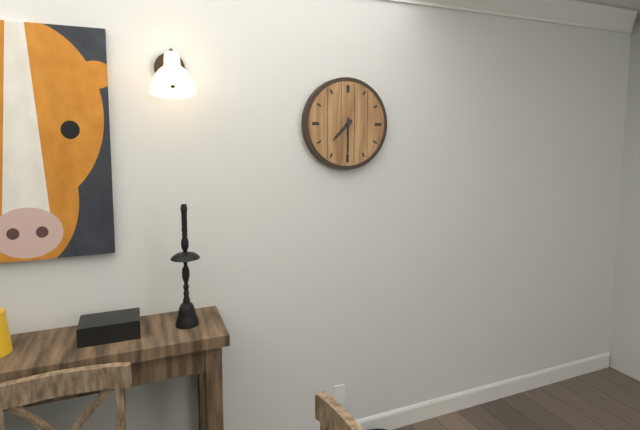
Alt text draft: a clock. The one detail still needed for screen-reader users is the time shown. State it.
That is 7:30
